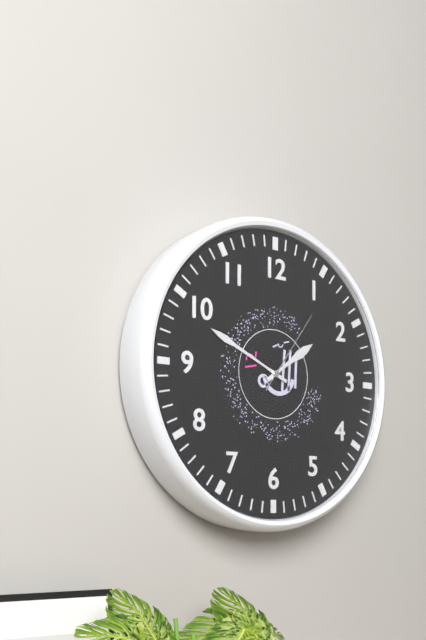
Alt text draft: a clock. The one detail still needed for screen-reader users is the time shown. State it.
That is 1:49:06
